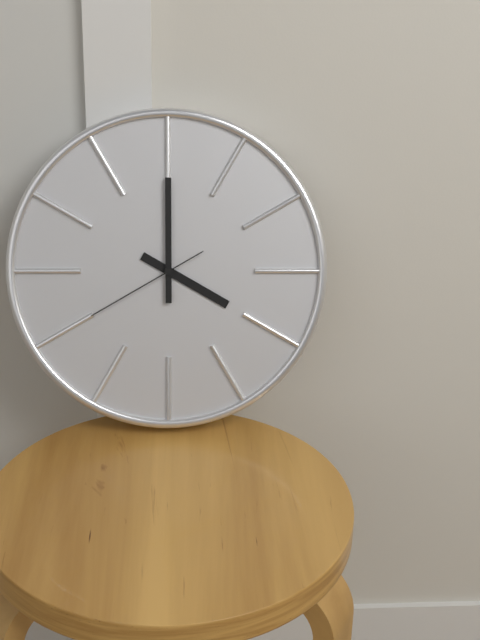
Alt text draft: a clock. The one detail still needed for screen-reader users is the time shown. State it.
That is 4:00:40
